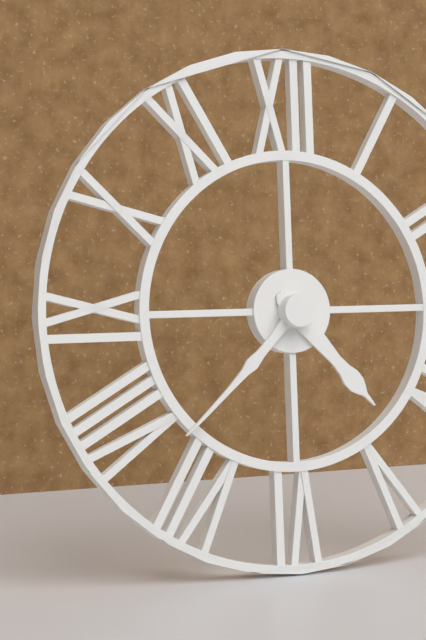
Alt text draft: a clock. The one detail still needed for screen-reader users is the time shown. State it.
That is 4:37
